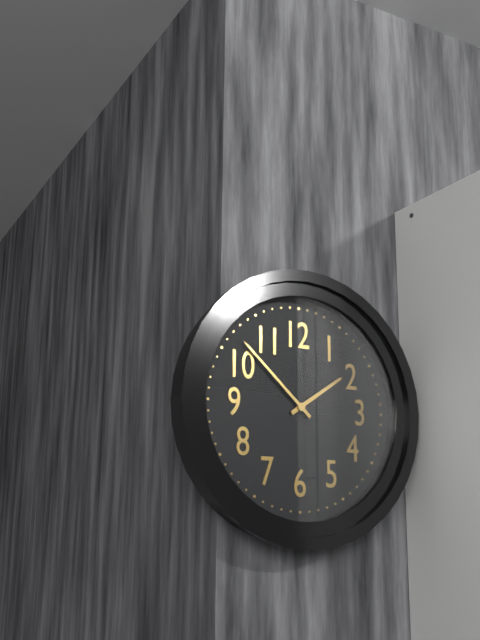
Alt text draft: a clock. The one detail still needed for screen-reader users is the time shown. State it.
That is 1:52
